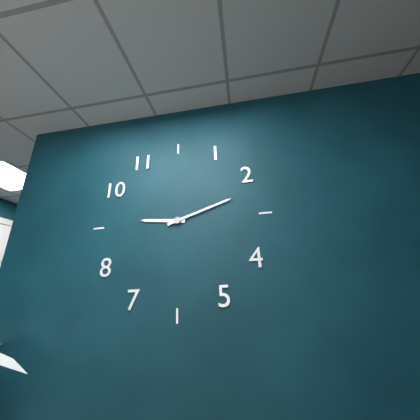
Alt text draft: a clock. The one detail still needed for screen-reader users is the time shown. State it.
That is 9:12
